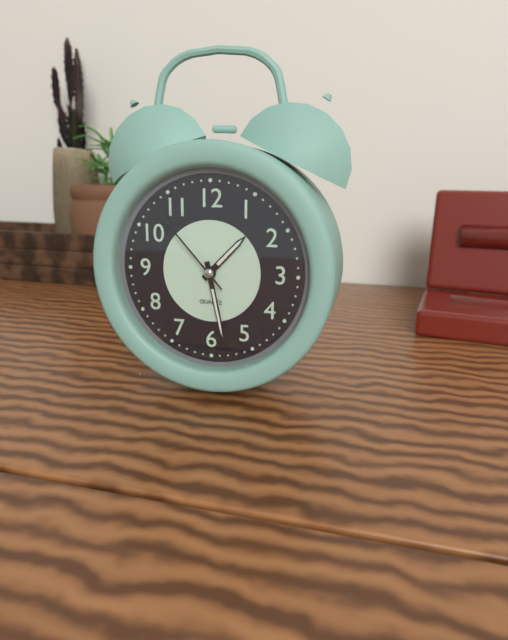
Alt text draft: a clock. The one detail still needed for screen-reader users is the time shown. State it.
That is 1:28:53
